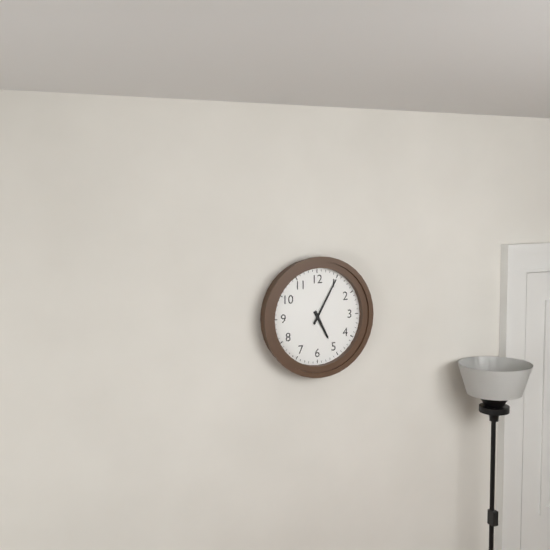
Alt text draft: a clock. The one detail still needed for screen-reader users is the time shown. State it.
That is 5:05
